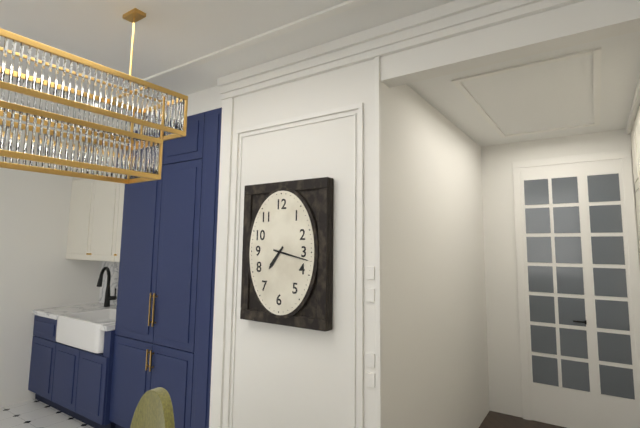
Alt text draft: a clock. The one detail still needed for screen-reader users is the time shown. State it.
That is 7:17
